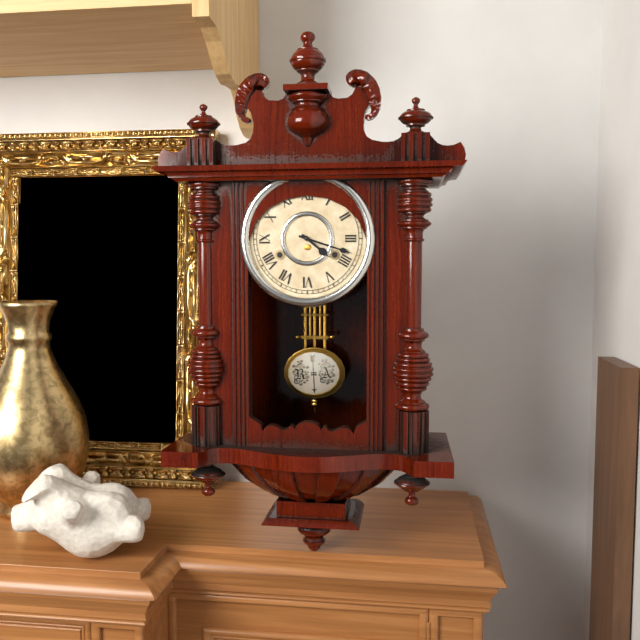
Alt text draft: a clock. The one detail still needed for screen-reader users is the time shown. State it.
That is 4:18
